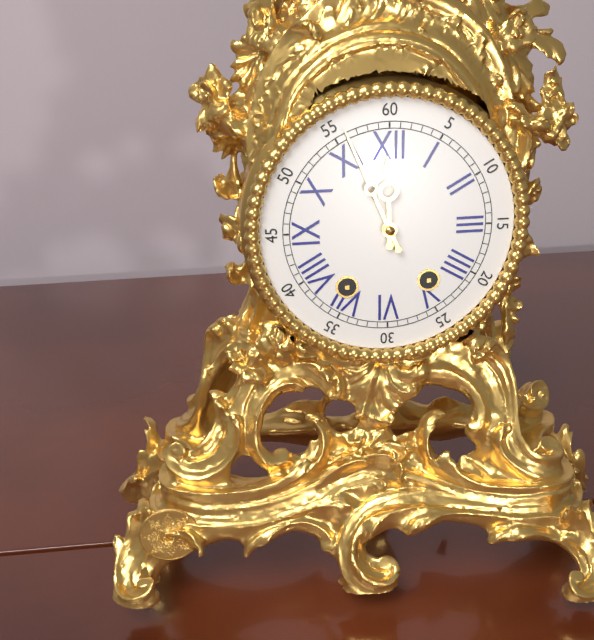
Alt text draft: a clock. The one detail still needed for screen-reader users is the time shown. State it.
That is 11:56
